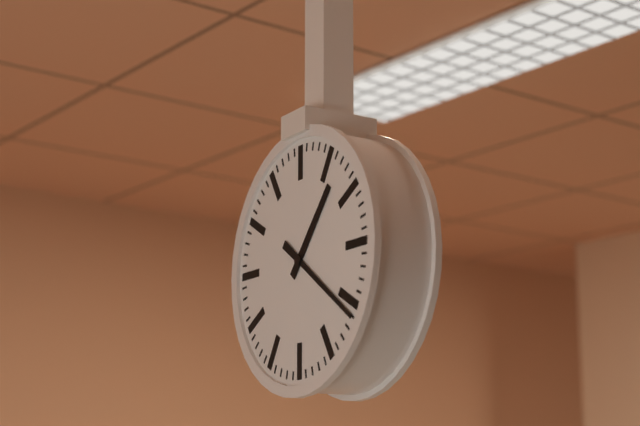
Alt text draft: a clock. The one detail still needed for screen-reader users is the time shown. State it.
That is 1:21
